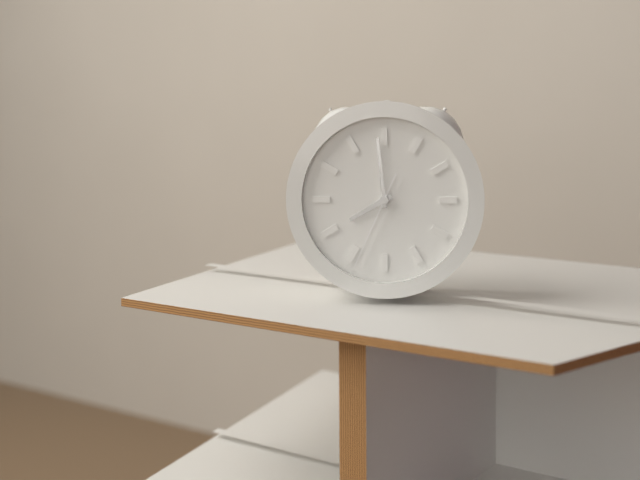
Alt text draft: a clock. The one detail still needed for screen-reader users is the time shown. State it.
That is 7:59:34
